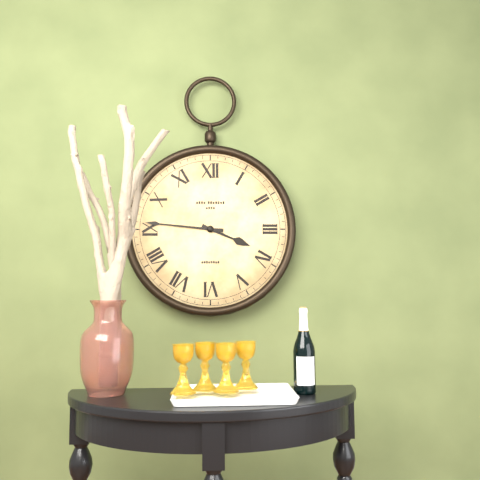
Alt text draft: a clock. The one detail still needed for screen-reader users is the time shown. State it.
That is 3:46
